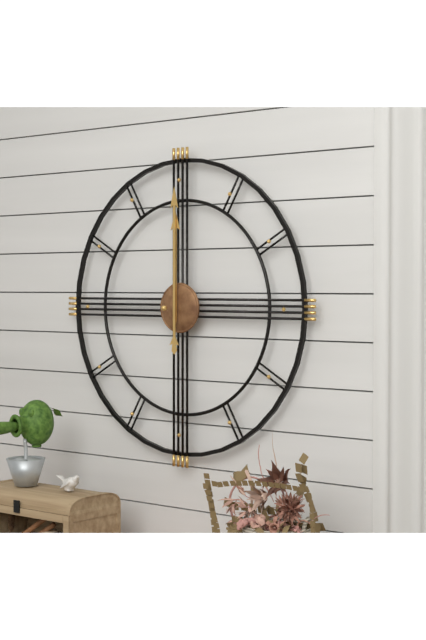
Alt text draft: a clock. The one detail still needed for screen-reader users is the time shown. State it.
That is 12:00
